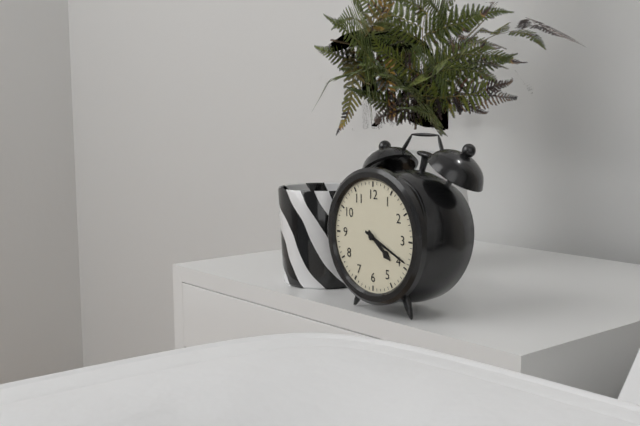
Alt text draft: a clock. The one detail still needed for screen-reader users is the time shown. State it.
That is 4:19
